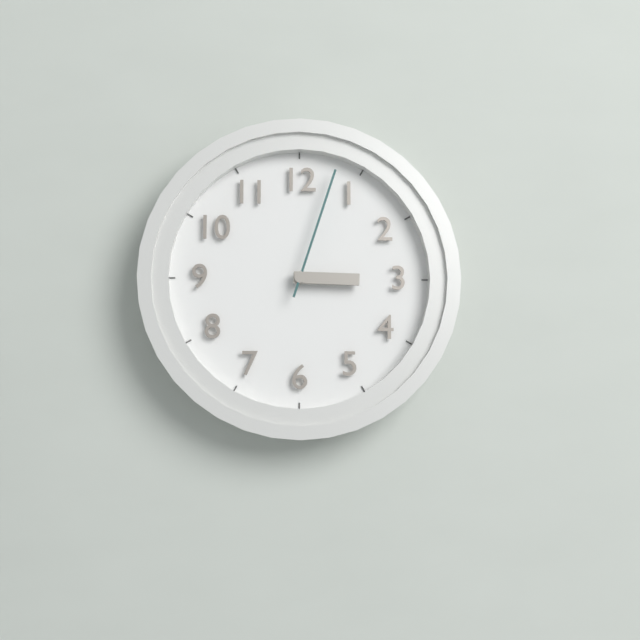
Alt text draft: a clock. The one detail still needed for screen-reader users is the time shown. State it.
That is 3:03
